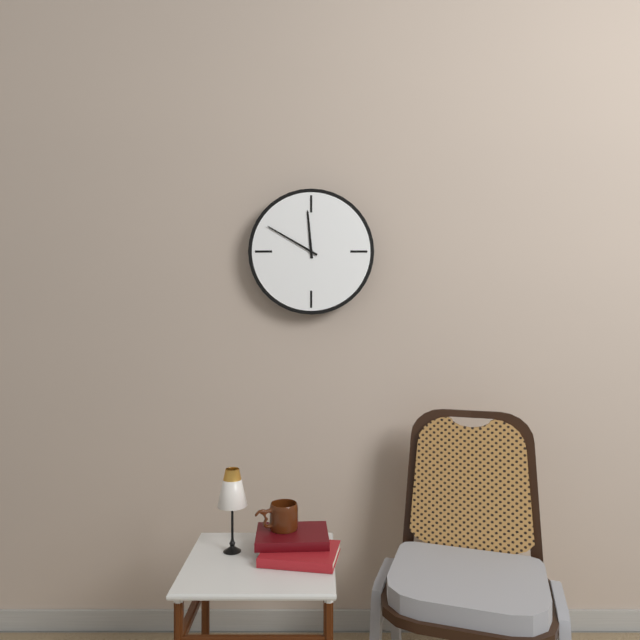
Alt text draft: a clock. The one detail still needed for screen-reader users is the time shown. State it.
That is 11:50
